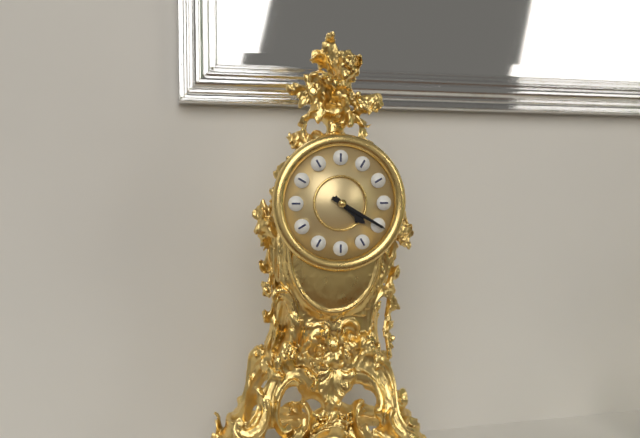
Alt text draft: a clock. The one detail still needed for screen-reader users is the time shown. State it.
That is 4:20
